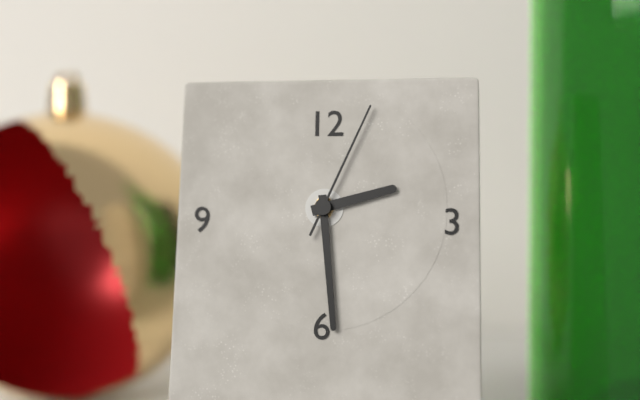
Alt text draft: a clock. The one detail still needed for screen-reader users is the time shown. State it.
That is 2:29:04
